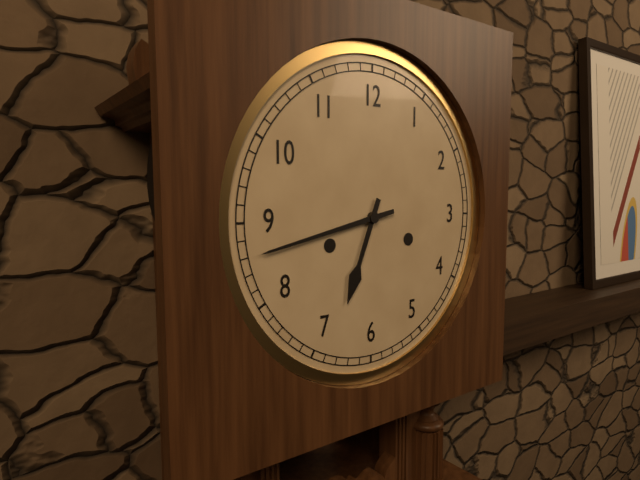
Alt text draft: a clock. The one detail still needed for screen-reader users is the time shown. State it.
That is 6:43
